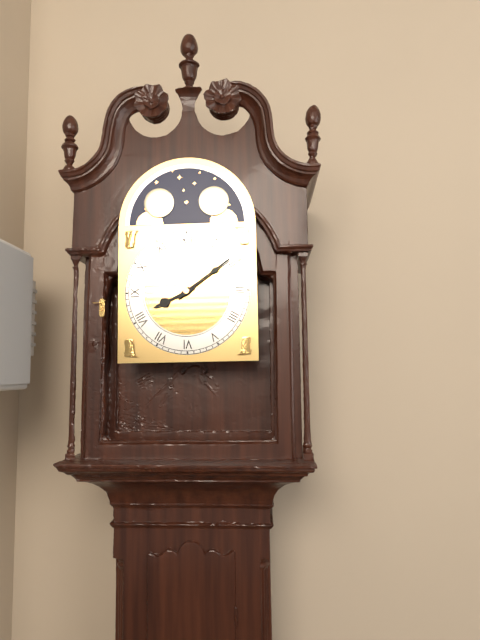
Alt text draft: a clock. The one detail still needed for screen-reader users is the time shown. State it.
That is 8:09
